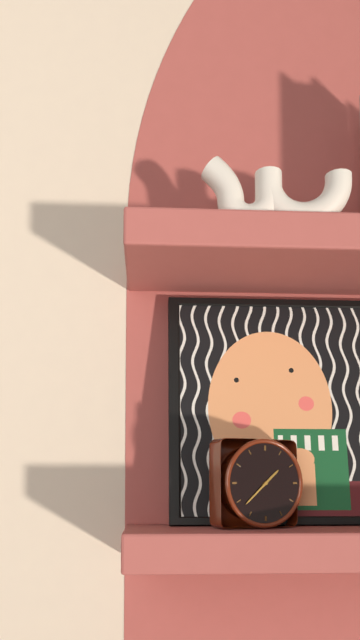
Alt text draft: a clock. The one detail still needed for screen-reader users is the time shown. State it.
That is 1:38
